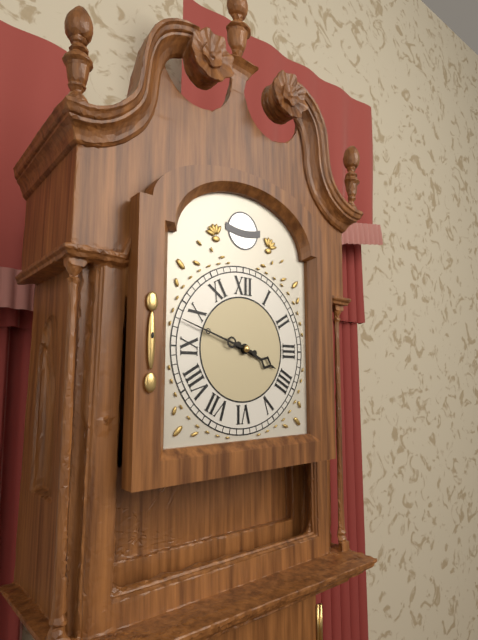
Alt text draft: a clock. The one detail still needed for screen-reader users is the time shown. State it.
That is 3:48
